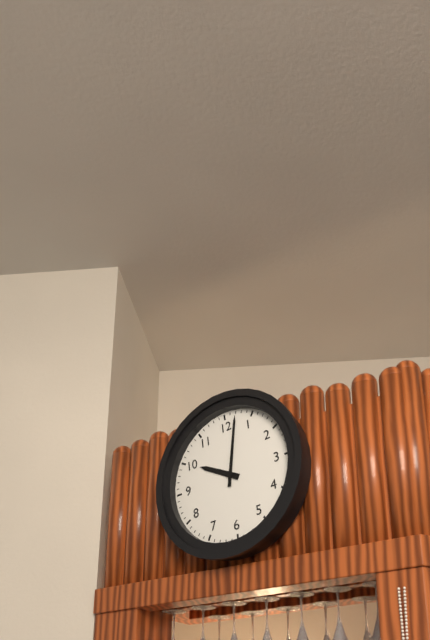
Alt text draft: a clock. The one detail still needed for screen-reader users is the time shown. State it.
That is 10:02
